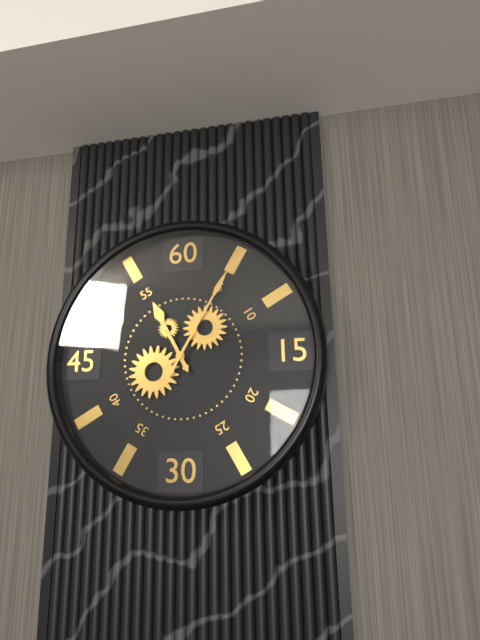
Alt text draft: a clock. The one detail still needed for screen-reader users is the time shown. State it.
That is 11:05
